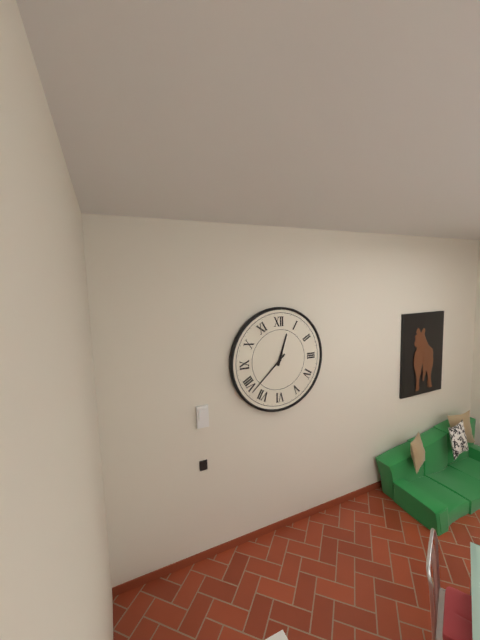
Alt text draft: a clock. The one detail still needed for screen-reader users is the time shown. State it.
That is 12:38
